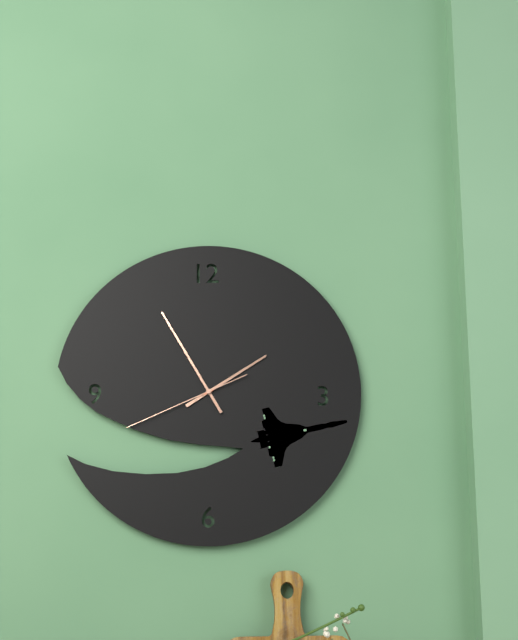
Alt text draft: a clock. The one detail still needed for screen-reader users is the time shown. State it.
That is 1:55:41
